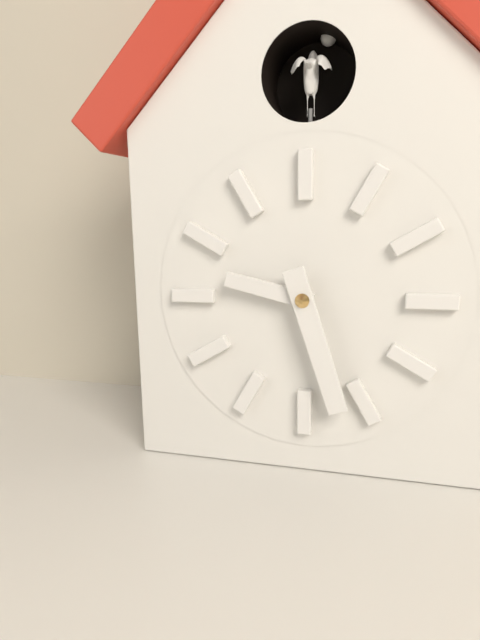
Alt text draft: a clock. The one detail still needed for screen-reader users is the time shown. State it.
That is 9:27
